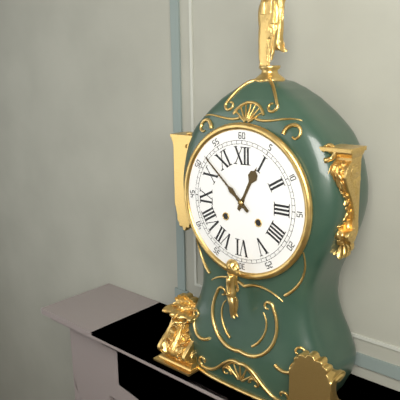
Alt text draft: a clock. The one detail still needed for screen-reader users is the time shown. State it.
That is 12:52
